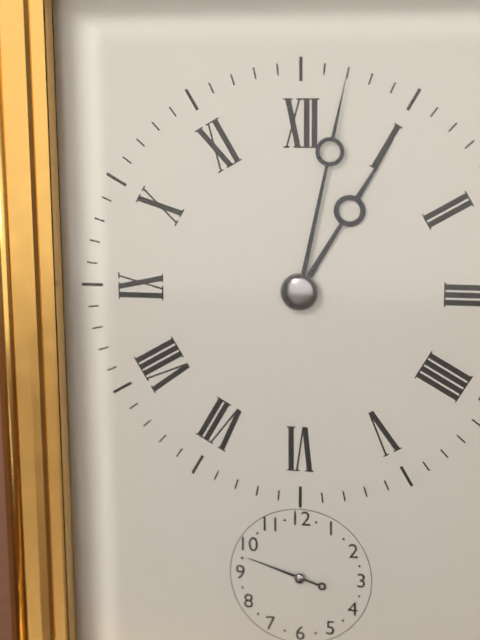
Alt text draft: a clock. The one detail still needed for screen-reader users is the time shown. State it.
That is 1:02
